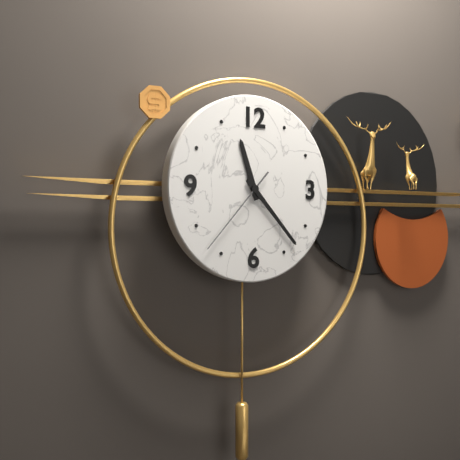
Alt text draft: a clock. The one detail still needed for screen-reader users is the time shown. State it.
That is 11:23:37
